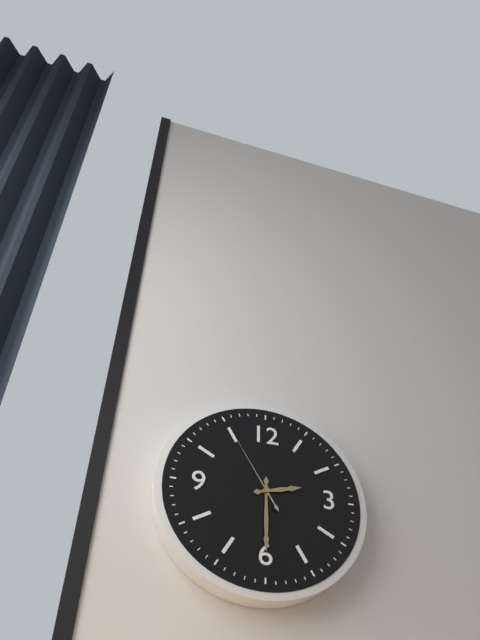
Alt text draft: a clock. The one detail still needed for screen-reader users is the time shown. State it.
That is 2:30:55
